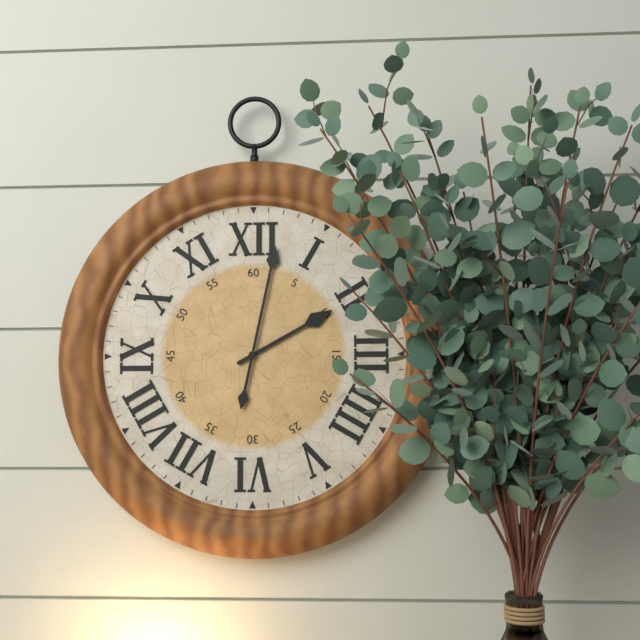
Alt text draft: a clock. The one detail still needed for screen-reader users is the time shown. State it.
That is 2:02
